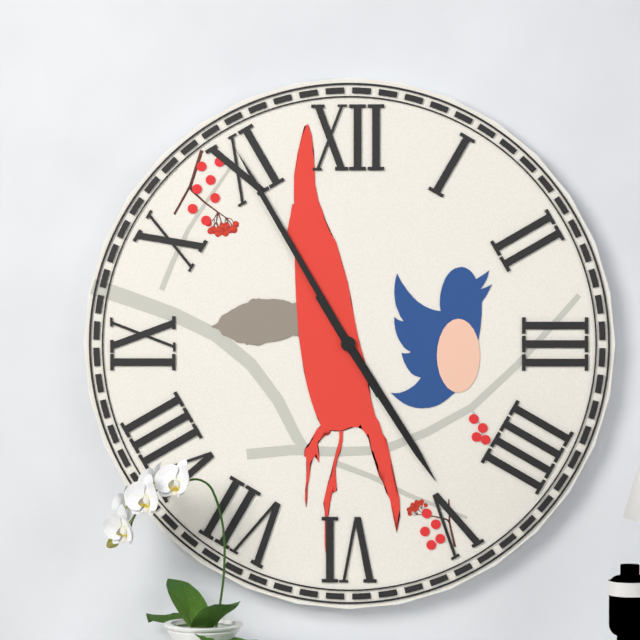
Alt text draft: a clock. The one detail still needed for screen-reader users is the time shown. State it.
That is 4:55
